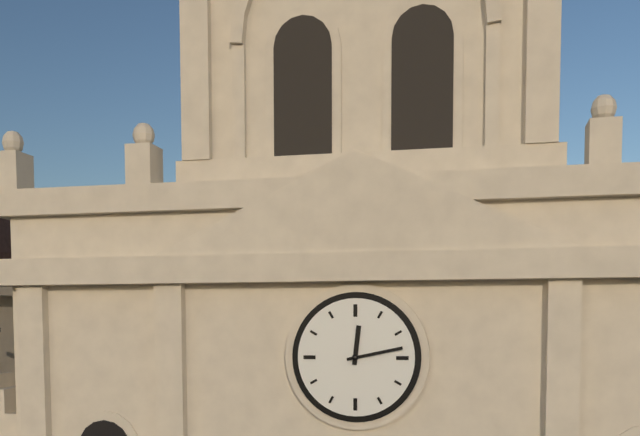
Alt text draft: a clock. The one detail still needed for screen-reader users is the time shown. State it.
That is 12:13
